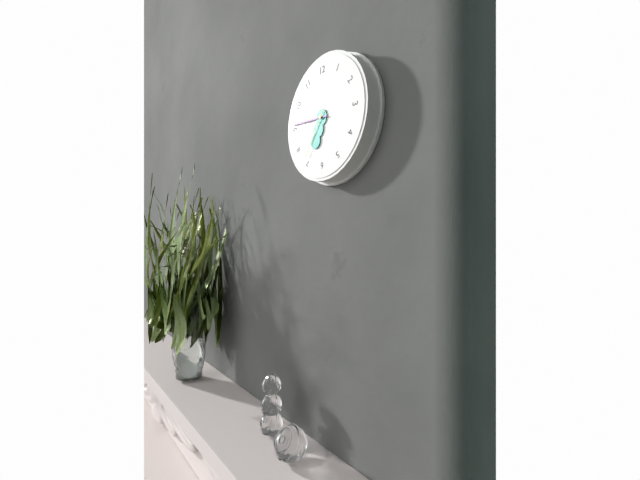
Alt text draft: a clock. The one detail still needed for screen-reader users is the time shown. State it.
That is 6:46:36
